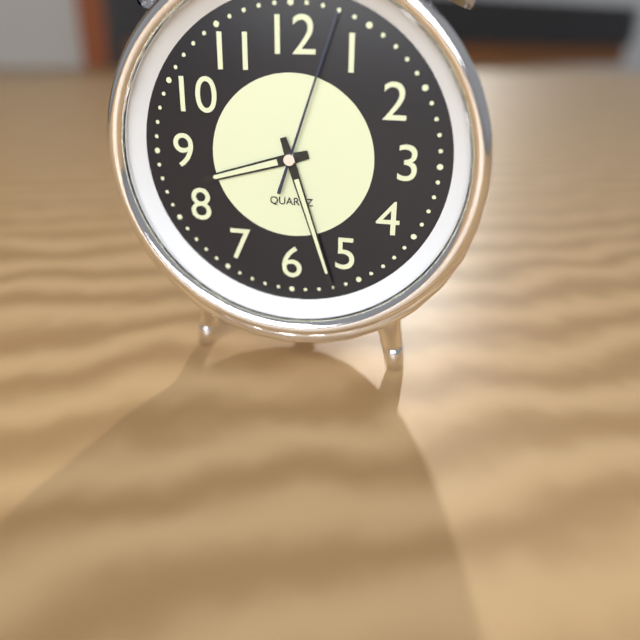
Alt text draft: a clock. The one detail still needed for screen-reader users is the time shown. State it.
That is 8:27:03
